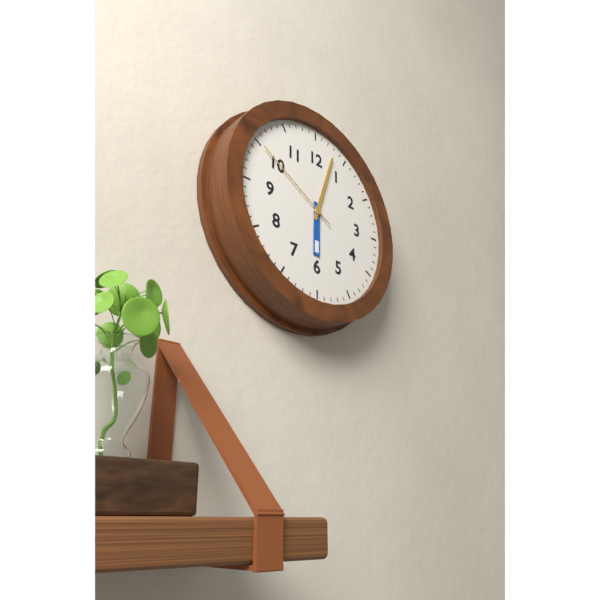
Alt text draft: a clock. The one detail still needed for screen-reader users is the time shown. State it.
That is 6:03:50
